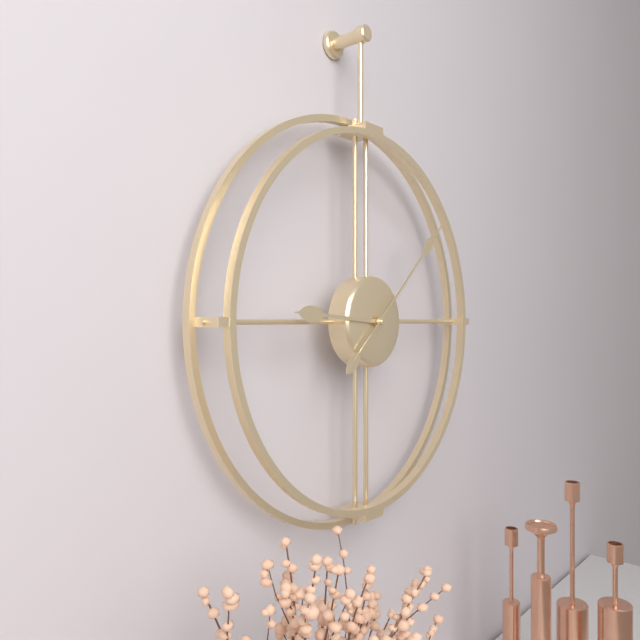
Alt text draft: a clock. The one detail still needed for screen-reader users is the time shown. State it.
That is 9:08
